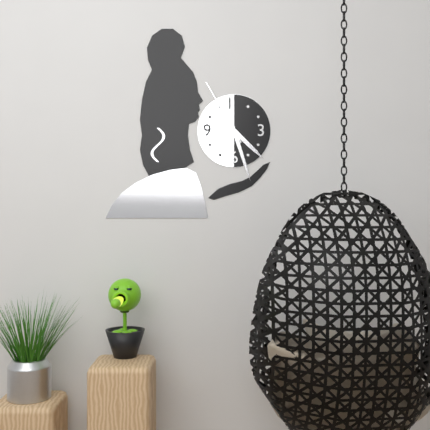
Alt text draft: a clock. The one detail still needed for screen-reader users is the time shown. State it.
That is 4:27:55
